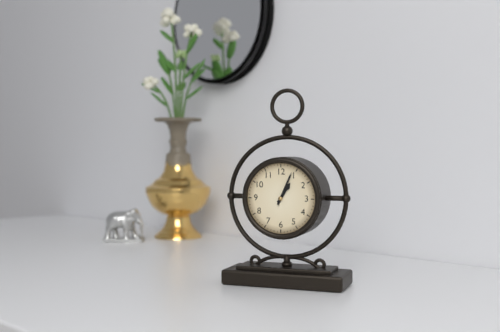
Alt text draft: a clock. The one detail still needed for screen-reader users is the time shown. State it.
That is 1:04
